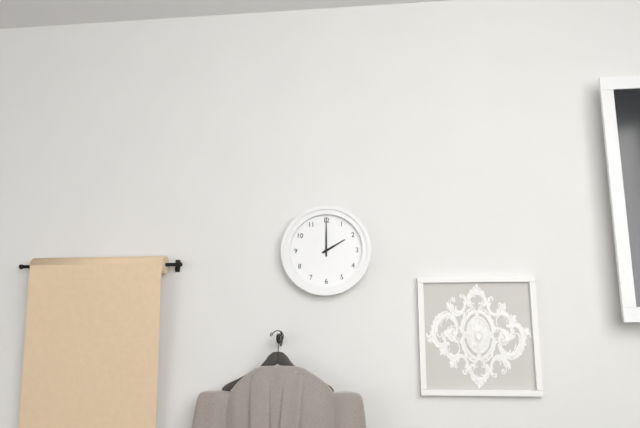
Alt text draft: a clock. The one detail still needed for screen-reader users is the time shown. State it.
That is 2:00
